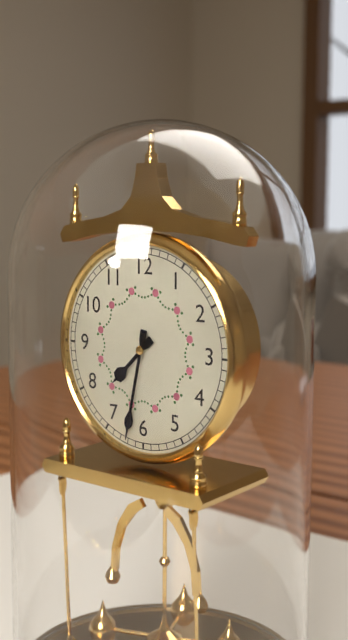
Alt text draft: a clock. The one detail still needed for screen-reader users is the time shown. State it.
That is 7:32
